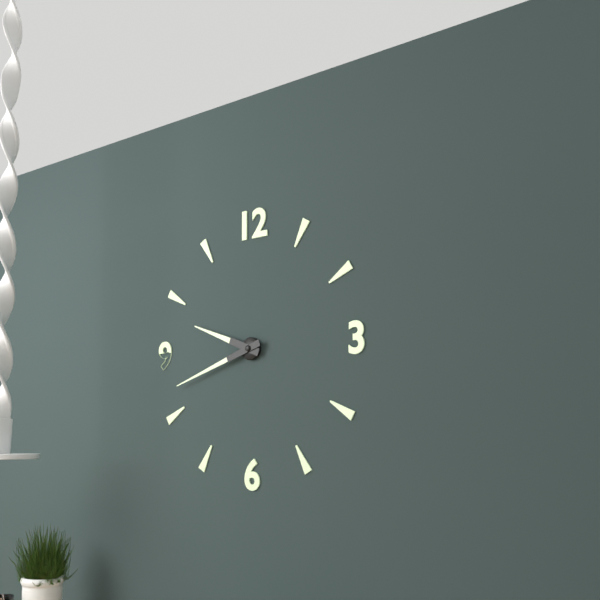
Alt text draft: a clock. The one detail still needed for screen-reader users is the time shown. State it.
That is 9:42
